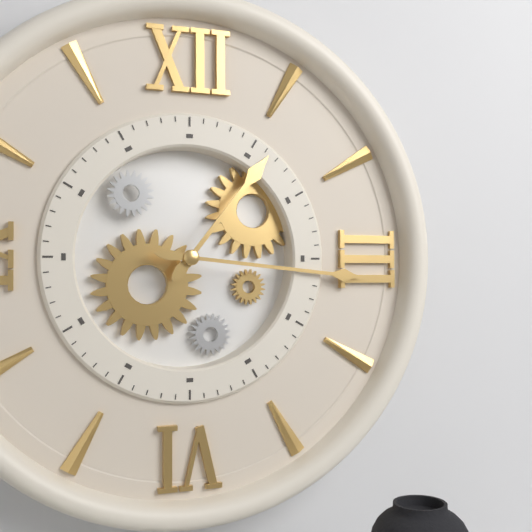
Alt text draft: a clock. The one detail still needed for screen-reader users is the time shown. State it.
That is 1:16
